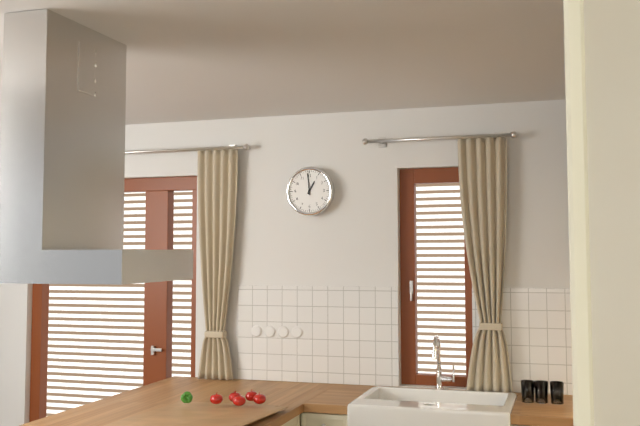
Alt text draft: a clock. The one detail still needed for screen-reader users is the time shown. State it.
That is 12:59
